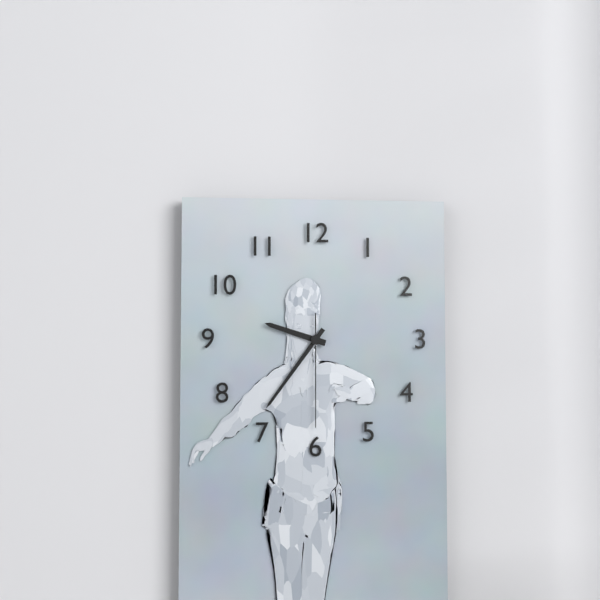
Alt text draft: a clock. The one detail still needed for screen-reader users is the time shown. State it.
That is 9:36:30
